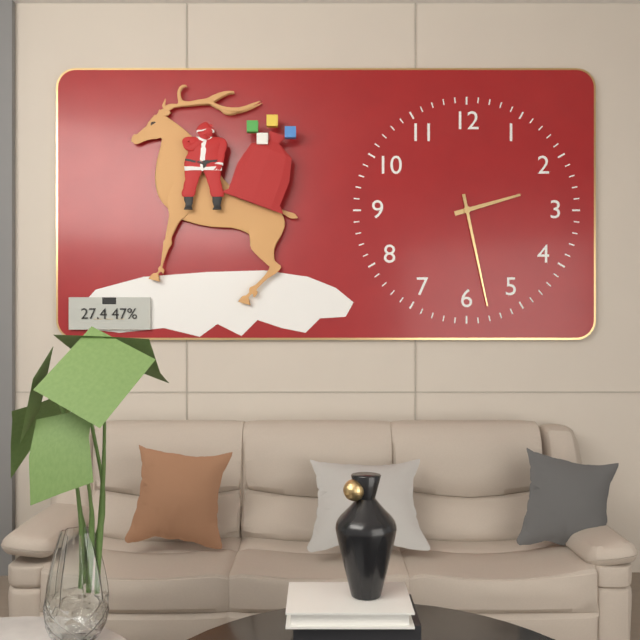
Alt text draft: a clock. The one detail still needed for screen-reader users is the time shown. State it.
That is 2:28
